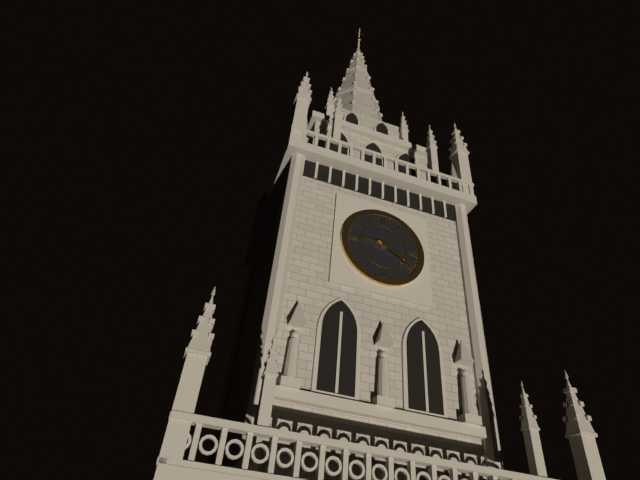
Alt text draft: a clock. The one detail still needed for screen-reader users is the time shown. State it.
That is 9:20
